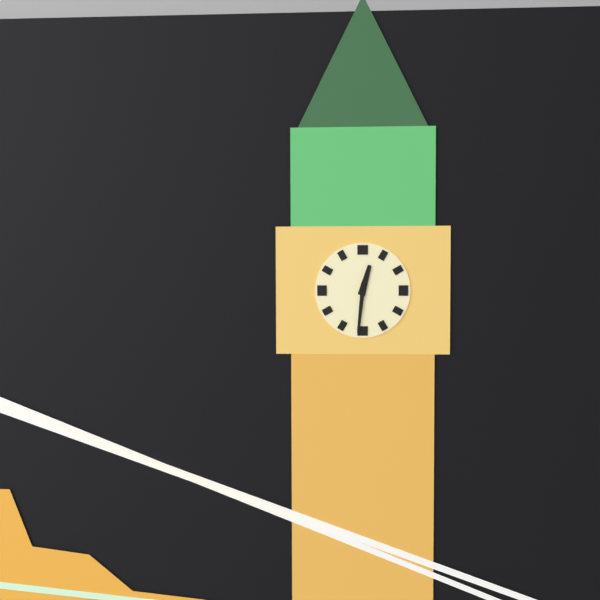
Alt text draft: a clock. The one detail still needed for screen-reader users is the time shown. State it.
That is 12:31
